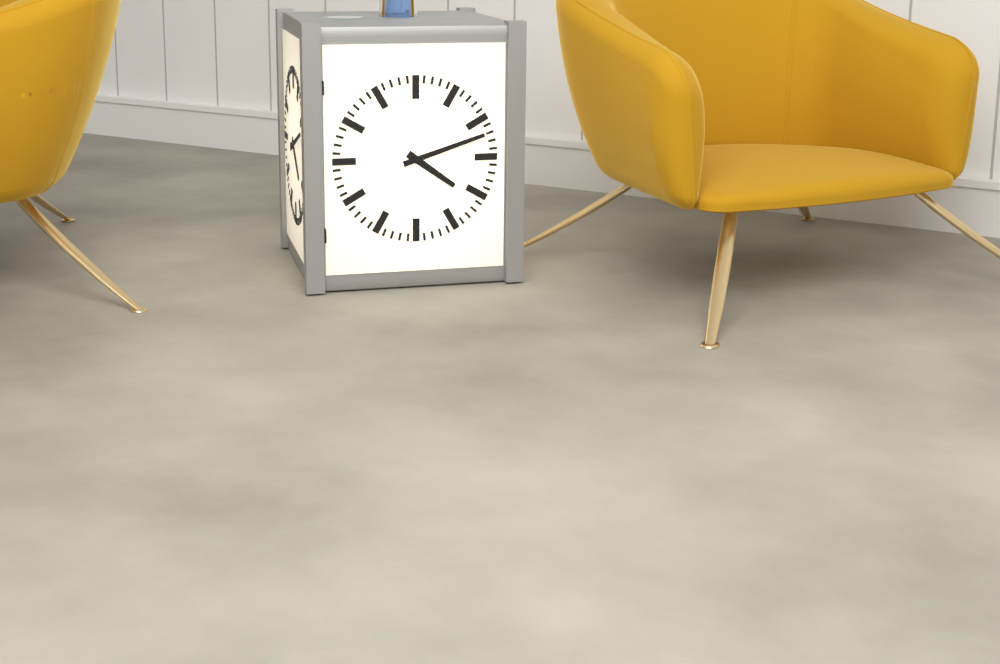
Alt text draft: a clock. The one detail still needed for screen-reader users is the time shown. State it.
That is 4:12
